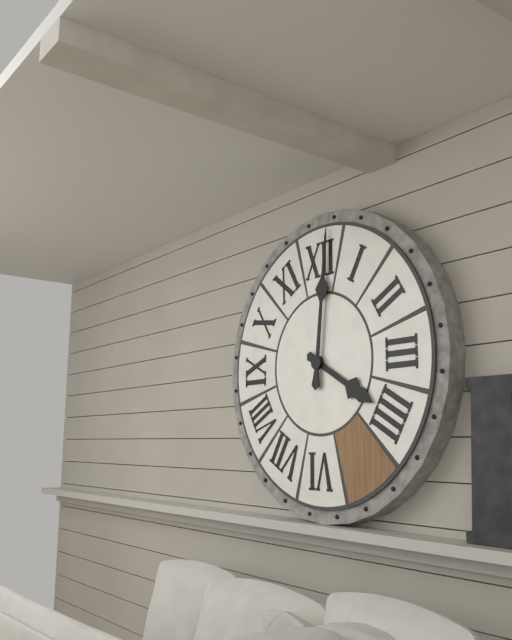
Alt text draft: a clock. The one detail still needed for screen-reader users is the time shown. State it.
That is 4:01
